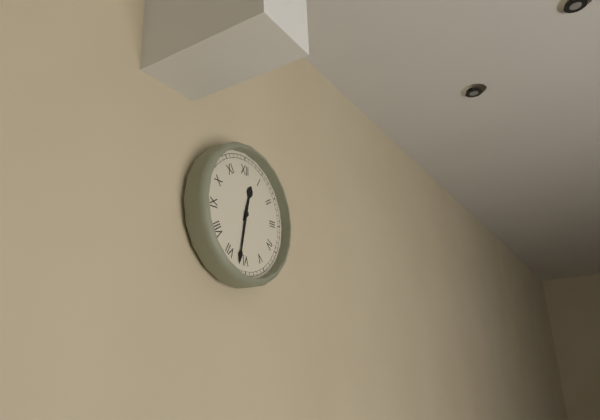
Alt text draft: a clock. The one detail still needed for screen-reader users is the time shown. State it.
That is 12:32
